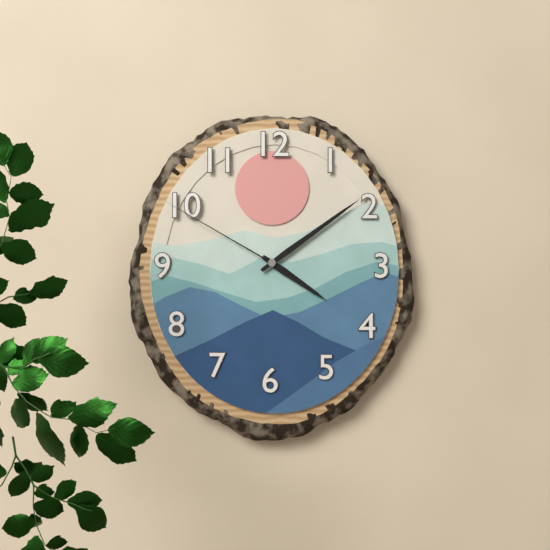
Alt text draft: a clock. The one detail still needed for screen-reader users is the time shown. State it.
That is 4:09:50
